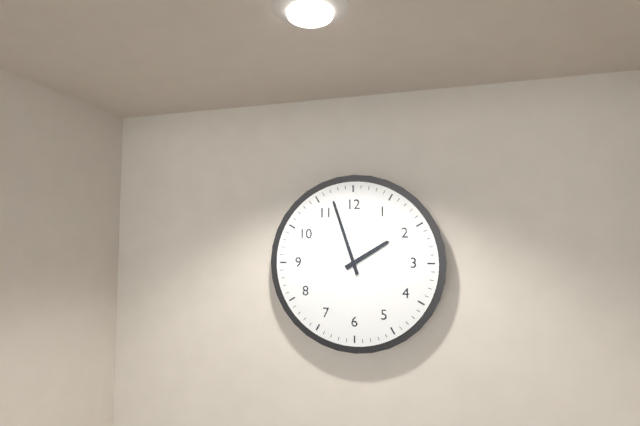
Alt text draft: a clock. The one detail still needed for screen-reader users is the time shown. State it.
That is 1:57
